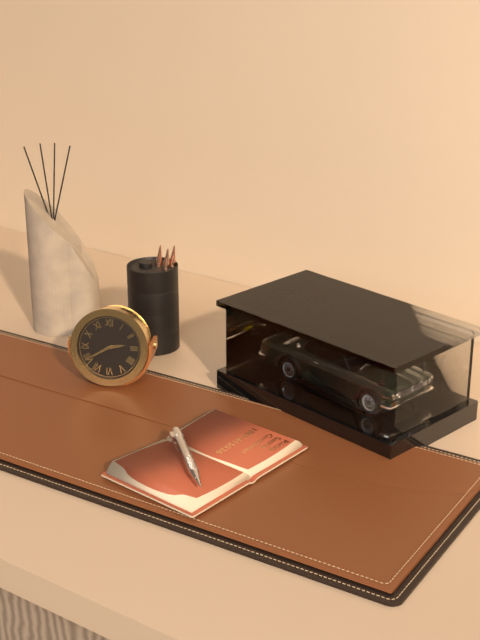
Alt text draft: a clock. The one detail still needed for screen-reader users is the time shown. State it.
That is 2:40
